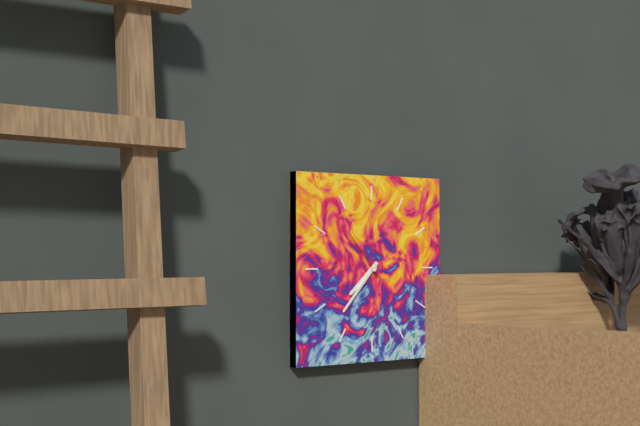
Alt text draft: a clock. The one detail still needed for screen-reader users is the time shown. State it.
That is 7:37:53
